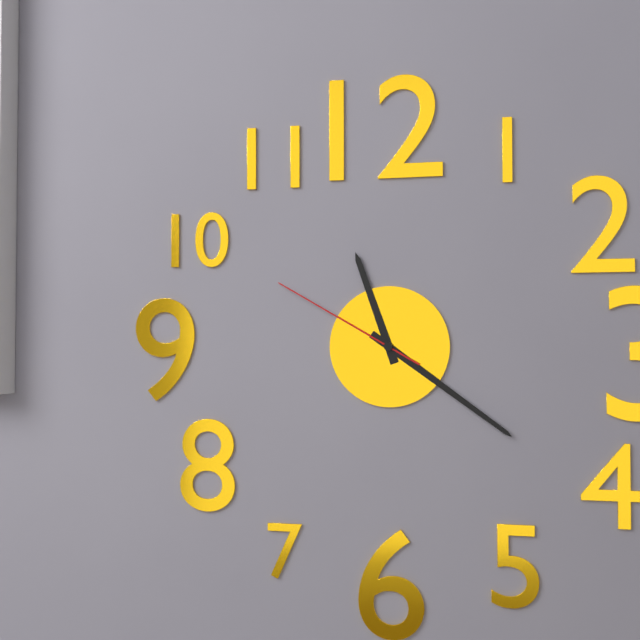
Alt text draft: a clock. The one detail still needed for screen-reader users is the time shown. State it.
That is 11:21:50
